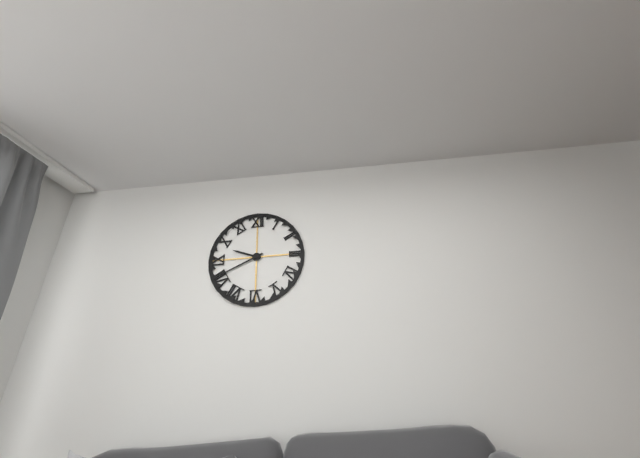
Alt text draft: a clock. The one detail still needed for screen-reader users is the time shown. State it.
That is 9:41
